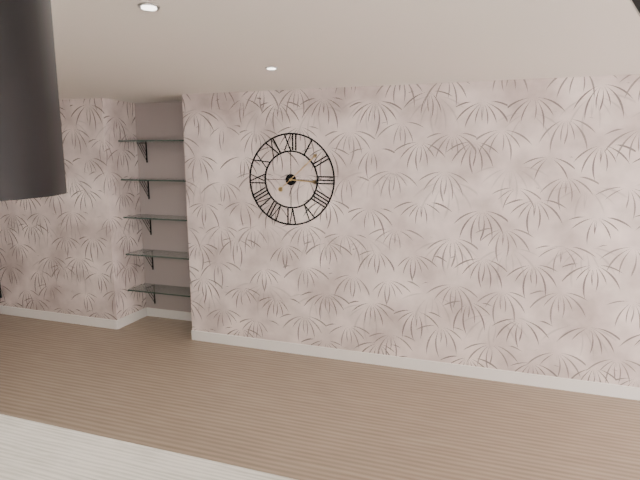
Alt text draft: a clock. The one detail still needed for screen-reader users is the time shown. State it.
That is 3:08
